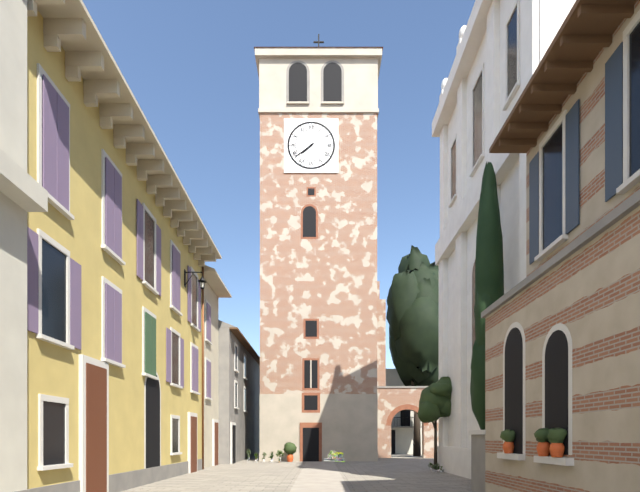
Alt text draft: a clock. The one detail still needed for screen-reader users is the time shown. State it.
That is 7:39
